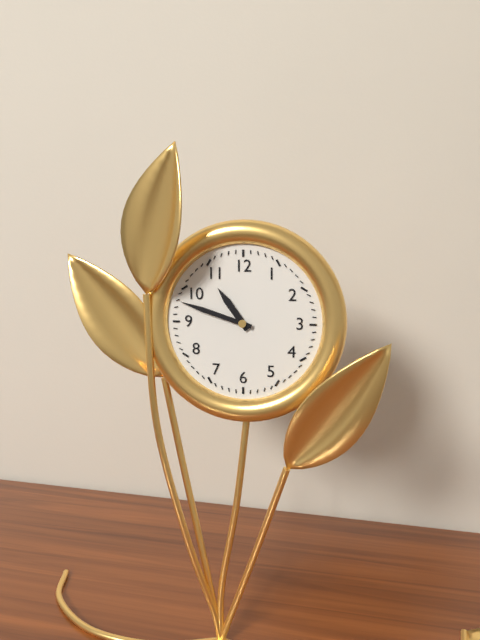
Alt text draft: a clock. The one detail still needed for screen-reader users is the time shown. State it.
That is 10:48
